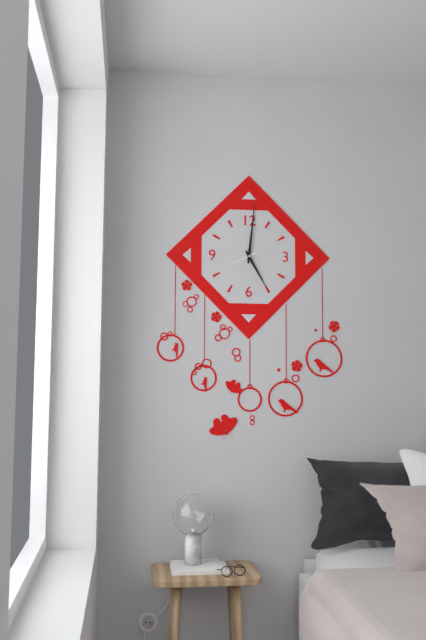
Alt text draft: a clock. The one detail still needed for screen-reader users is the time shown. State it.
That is 5:01
